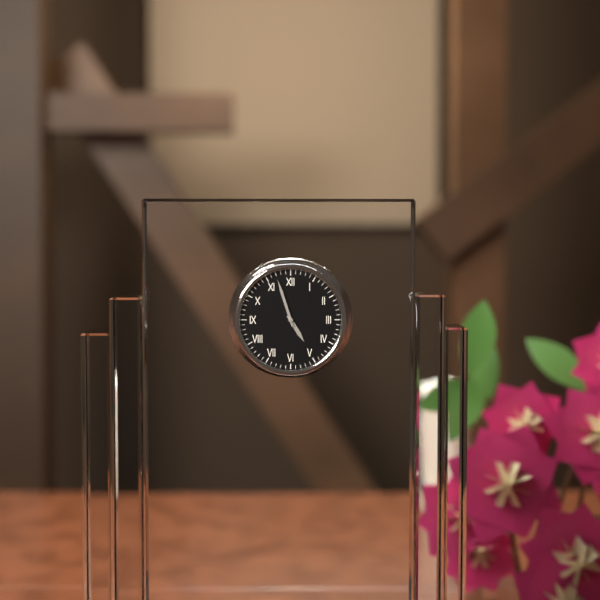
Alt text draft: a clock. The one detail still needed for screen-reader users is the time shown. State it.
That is 4:57
